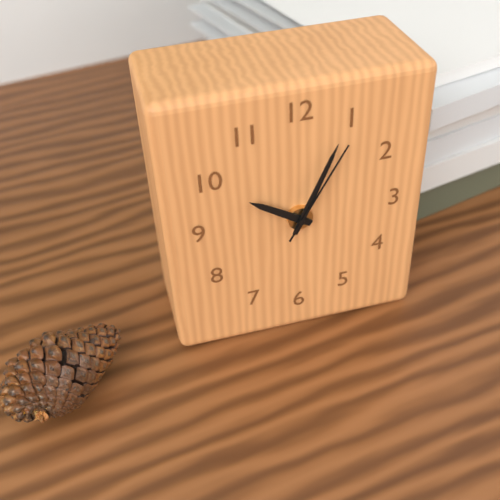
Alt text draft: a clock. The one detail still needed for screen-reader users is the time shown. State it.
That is 10:04:05
